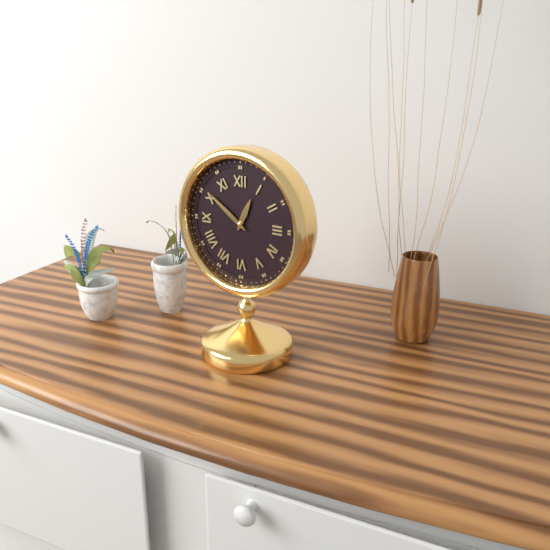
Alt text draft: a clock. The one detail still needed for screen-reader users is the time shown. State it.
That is 12:51
